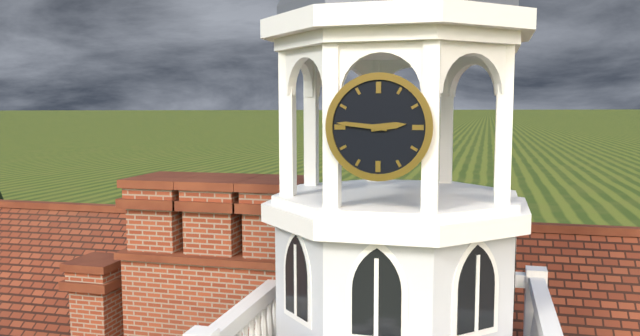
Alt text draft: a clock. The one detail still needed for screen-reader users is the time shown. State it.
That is 2:46
